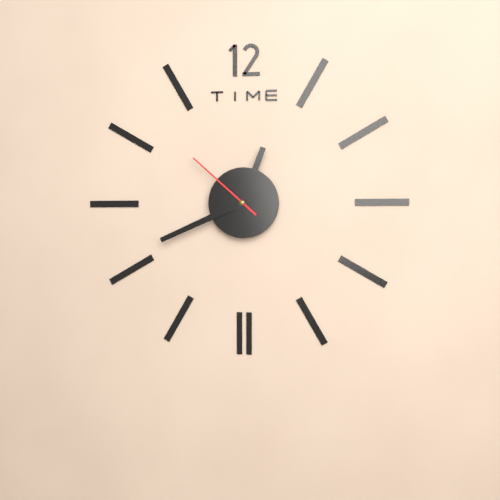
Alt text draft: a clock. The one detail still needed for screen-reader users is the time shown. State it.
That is 12:41:52
